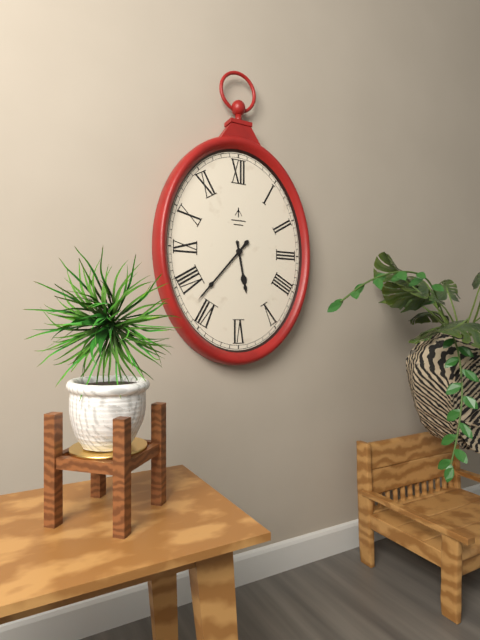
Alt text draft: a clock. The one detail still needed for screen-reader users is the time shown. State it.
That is 5:37
